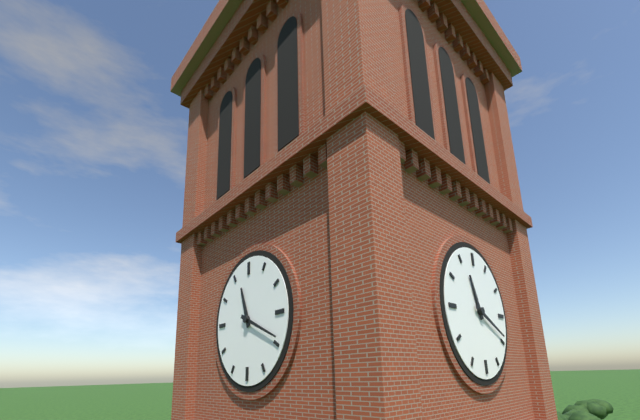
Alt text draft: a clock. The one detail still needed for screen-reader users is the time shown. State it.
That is 11:19
